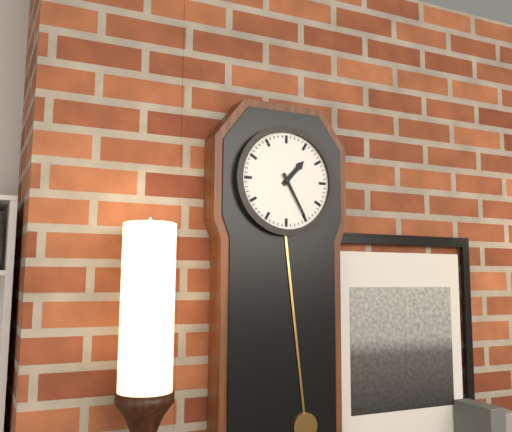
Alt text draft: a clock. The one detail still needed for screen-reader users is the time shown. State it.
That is 1:25
